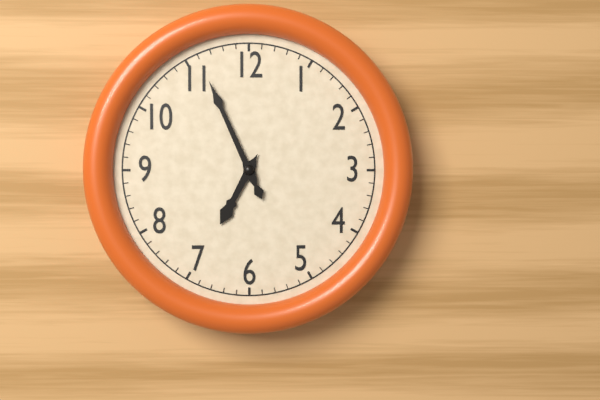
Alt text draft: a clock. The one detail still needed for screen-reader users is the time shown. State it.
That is 6:56
